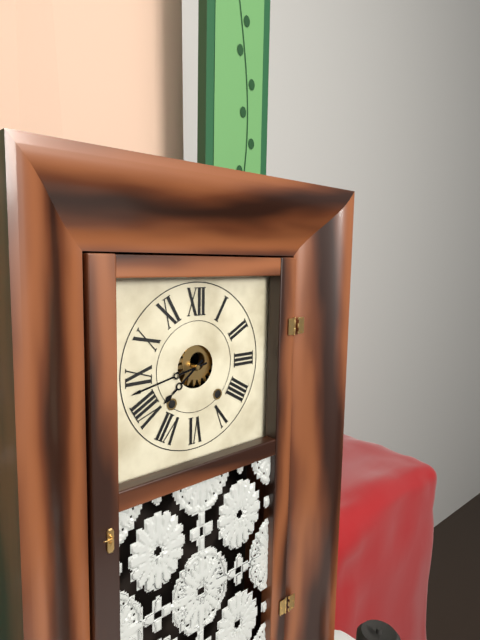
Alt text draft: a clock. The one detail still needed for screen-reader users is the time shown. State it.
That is 7:43
